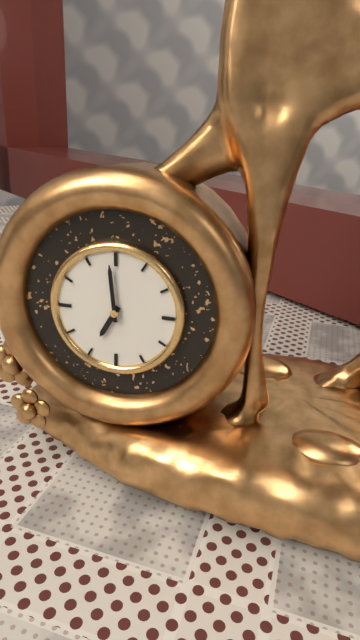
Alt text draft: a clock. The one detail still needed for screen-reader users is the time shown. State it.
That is 6:59
